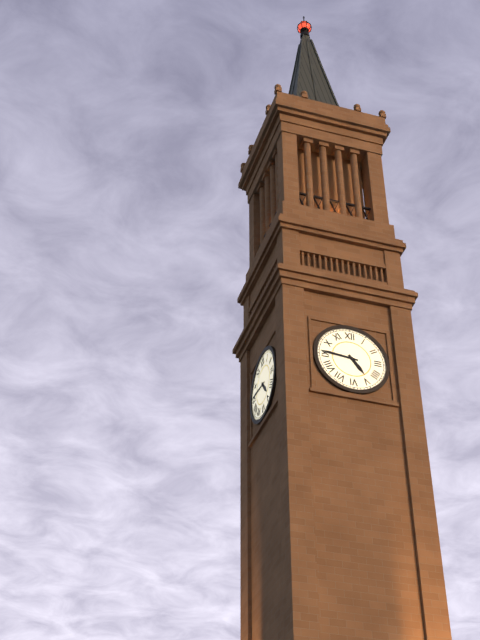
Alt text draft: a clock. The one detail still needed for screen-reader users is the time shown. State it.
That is 4:46
